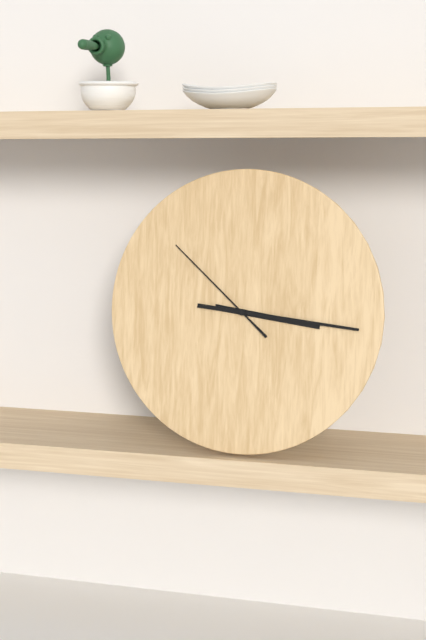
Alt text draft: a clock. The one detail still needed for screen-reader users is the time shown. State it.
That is 3:16:52
